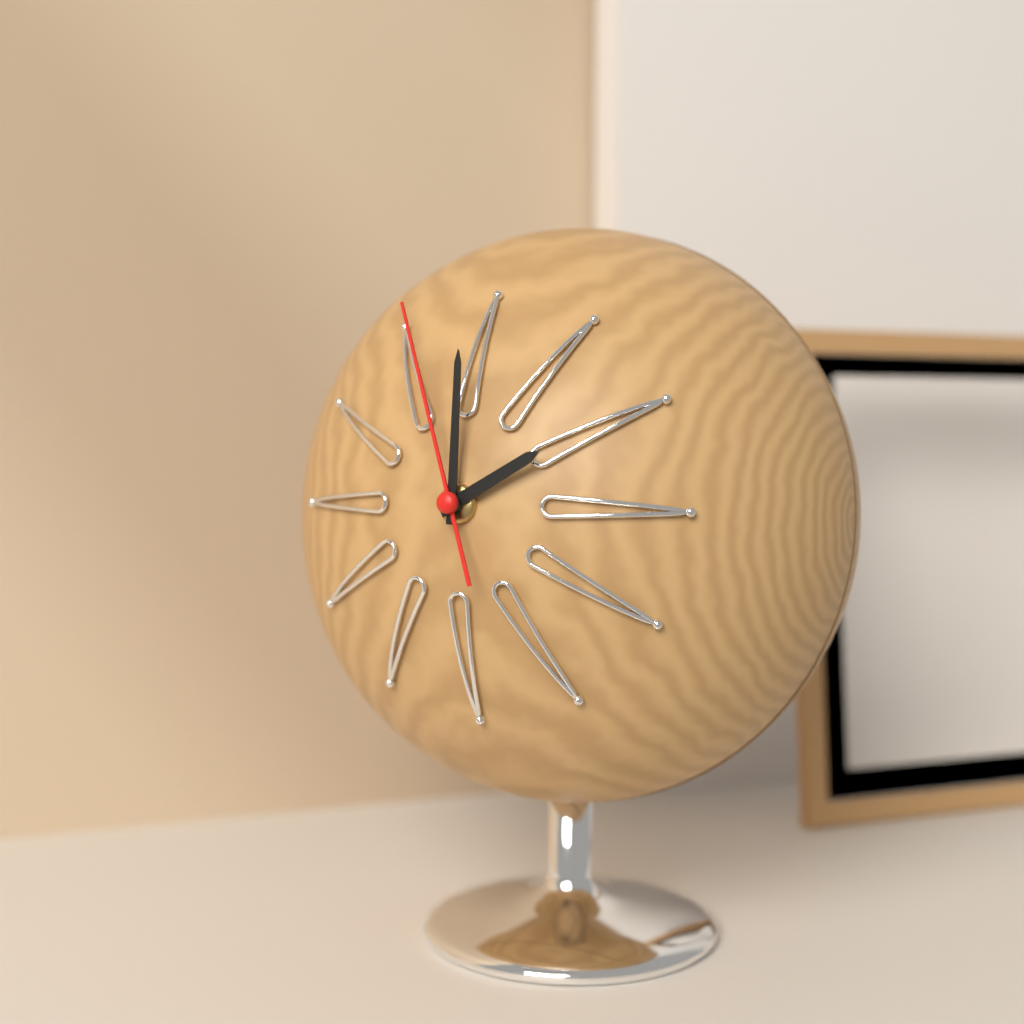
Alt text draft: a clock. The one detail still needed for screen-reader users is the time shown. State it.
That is 2:00:57
